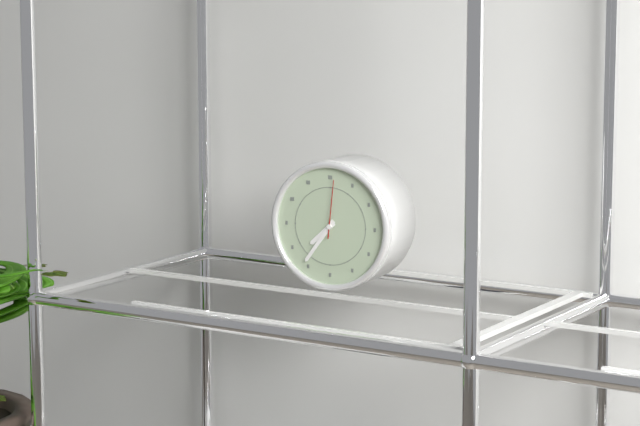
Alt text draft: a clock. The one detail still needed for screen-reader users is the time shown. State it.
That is 7:36:01
